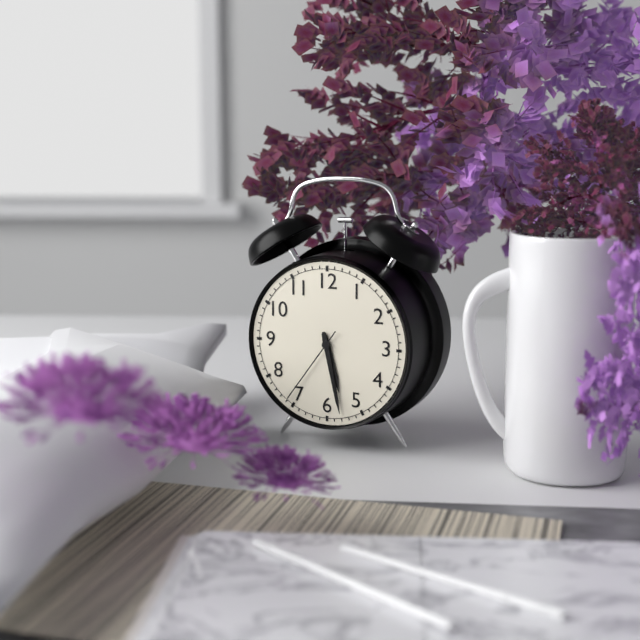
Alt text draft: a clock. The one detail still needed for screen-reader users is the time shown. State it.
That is 5:28:36
